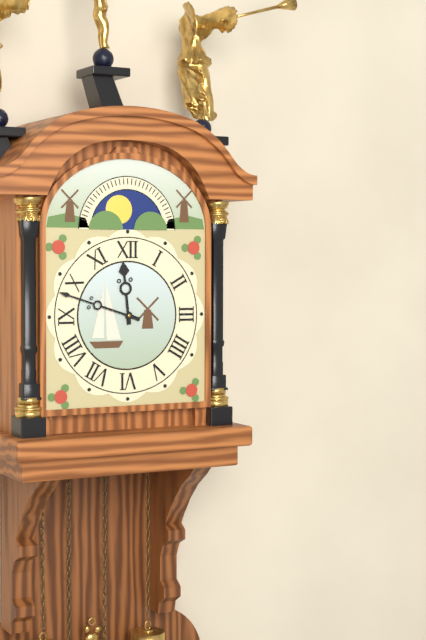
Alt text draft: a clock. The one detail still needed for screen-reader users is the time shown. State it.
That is 11:48
